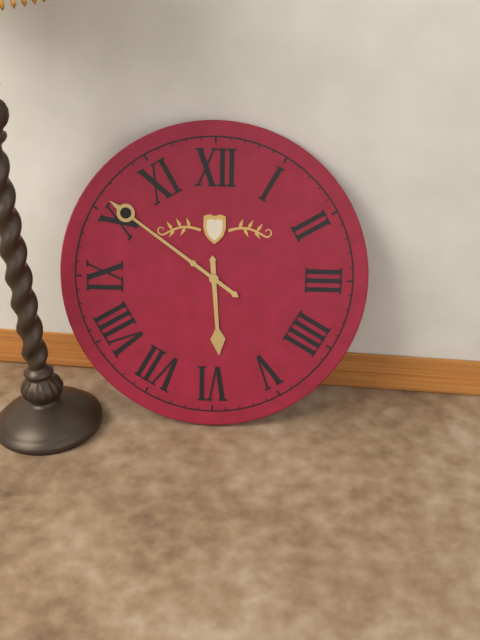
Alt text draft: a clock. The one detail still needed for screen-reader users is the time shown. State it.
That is 5:51
